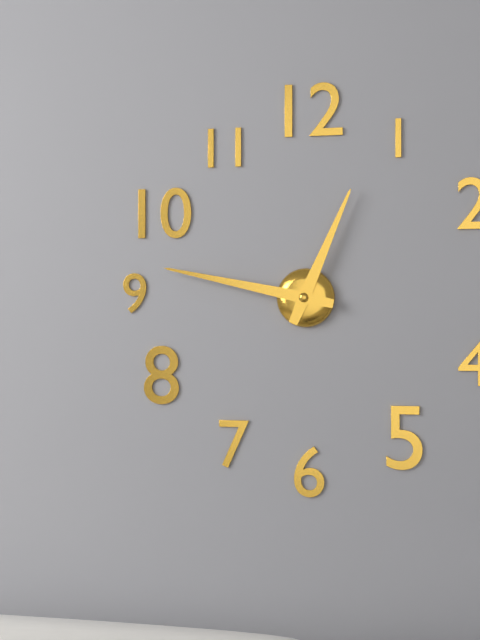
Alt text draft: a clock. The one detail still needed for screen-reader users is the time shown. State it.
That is 12:47
